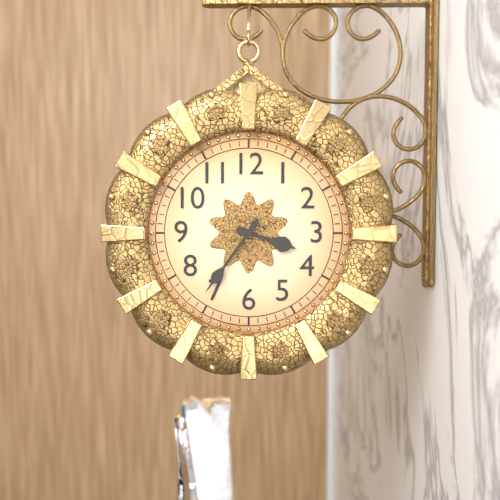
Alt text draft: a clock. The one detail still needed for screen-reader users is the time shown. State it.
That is 3:36
